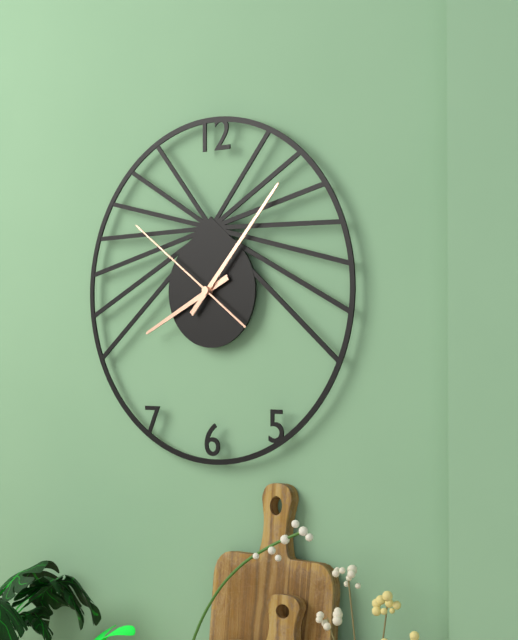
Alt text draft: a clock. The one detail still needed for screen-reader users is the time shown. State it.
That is 8:07:51
